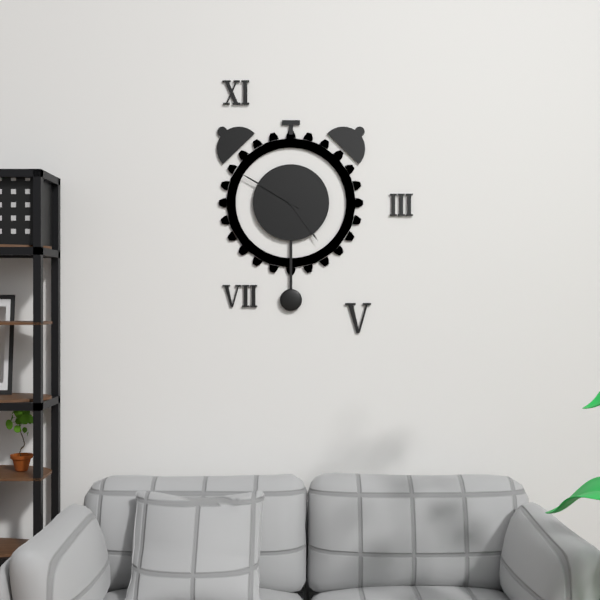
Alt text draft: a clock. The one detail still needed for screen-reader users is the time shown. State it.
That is 4:50
